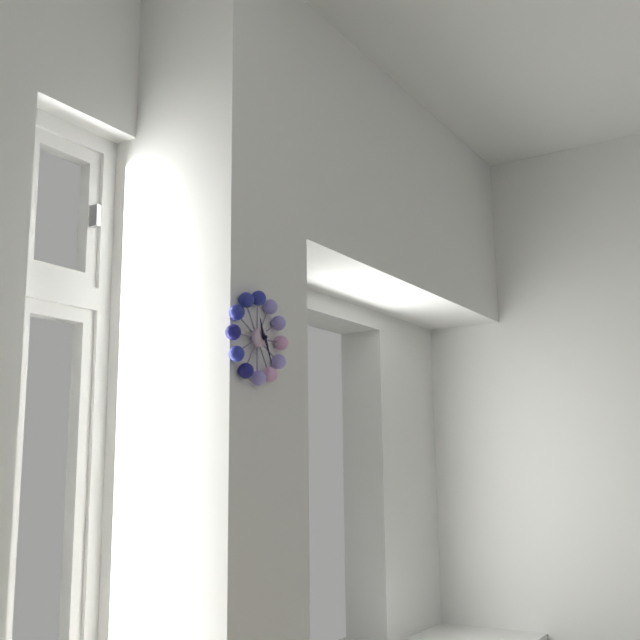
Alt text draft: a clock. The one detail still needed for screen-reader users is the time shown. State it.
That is 11:26
